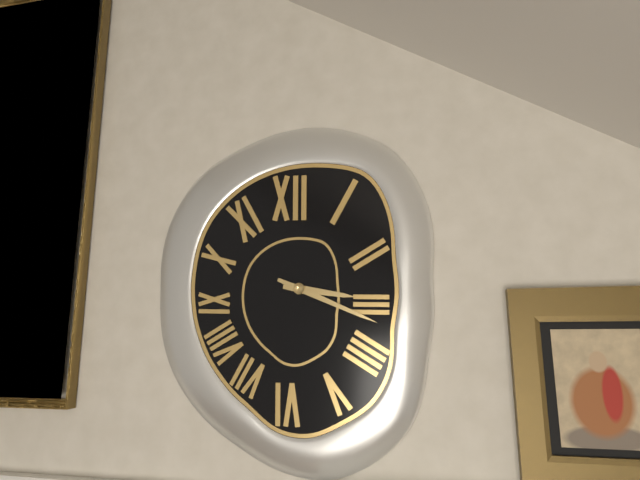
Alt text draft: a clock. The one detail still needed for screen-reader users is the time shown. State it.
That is 3:19
